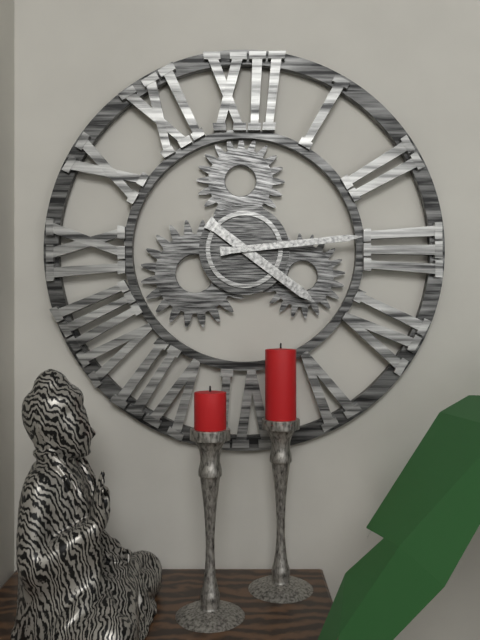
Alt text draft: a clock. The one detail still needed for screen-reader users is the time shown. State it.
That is 4:14
